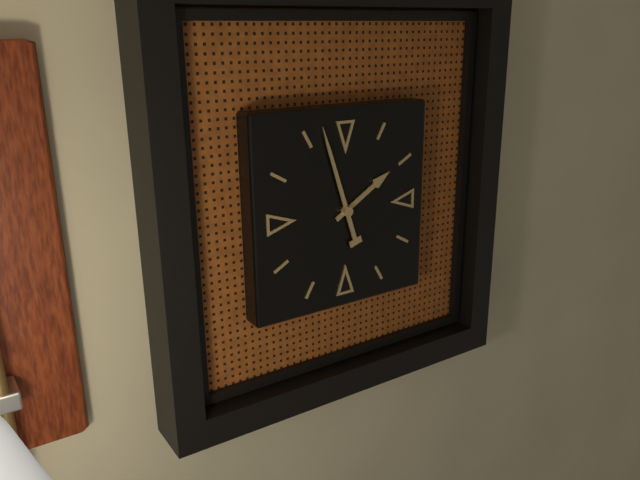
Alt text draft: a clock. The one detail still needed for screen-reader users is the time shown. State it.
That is 1:57
